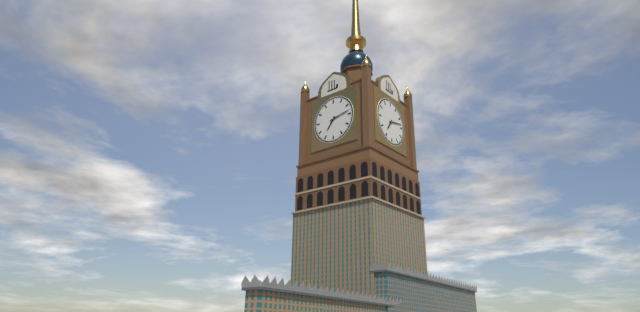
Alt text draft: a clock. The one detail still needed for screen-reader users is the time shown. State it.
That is 7:13
